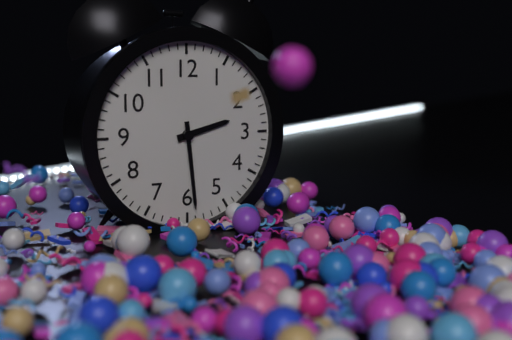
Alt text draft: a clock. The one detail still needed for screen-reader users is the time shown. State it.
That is 2:29
